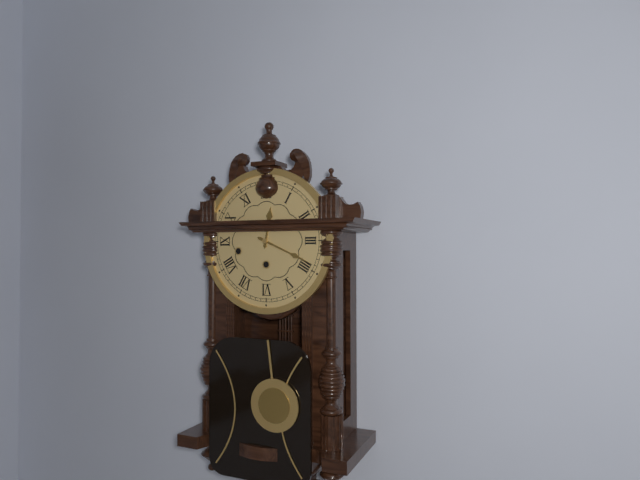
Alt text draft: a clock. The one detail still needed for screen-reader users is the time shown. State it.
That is 12:19
